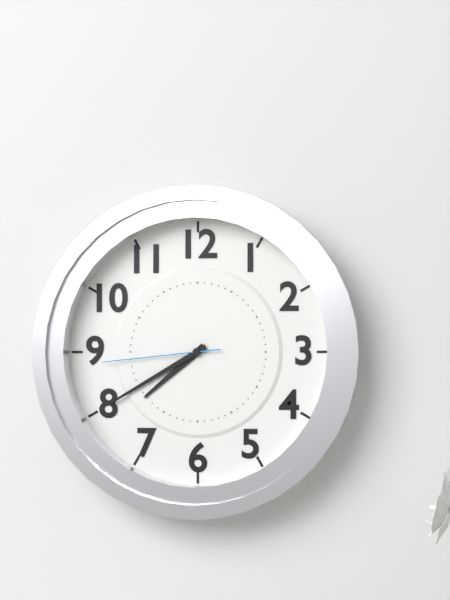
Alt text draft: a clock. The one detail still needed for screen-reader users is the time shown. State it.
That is 7:40:44
